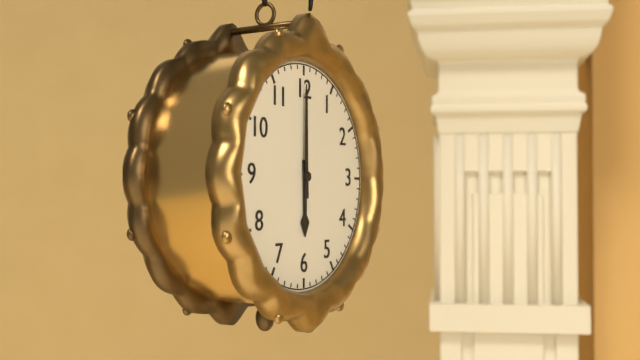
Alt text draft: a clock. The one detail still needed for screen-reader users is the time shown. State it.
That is 6:00
